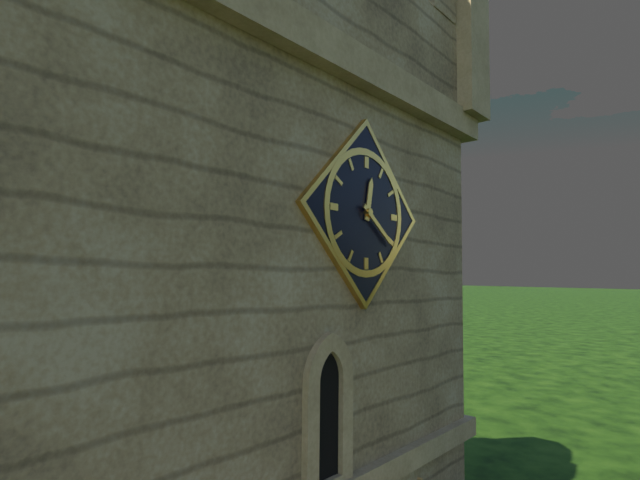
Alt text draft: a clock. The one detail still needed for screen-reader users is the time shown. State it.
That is 12:21
